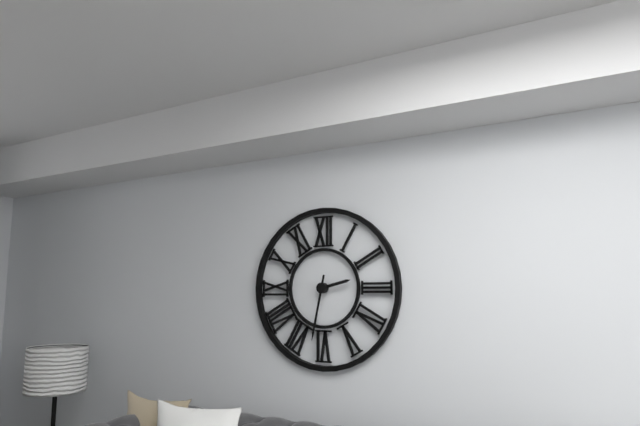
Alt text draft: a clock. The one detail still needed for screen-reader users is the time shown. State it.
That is 2:32
